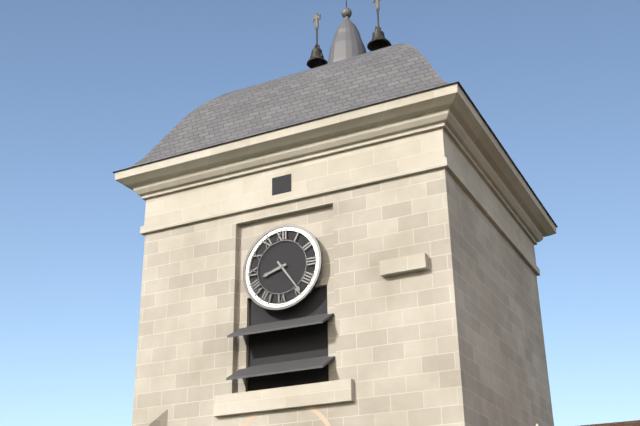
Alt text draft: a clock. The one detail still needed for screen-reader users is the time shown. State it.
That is 8:24
